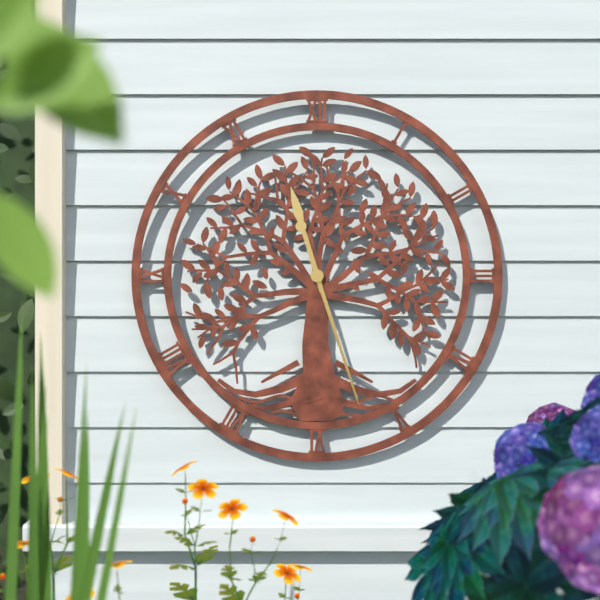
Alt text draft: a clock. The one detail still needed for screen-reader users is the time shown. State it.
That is 11:27
